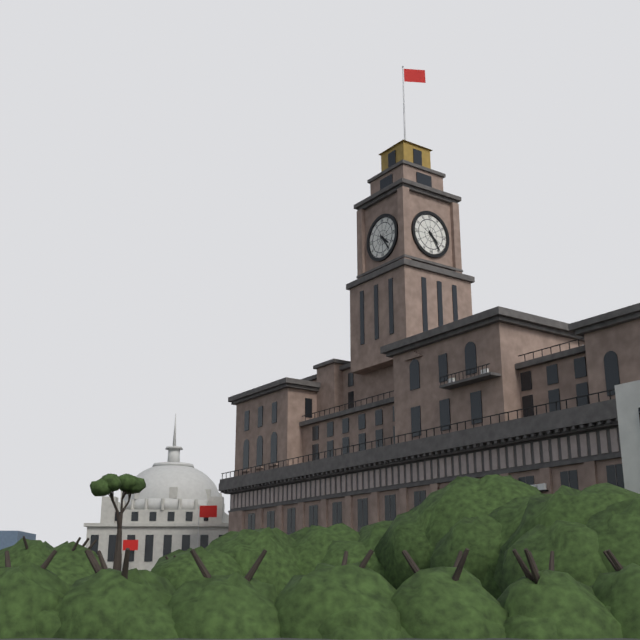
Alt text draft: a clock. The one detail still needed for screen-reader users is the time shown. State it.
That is 4:24
